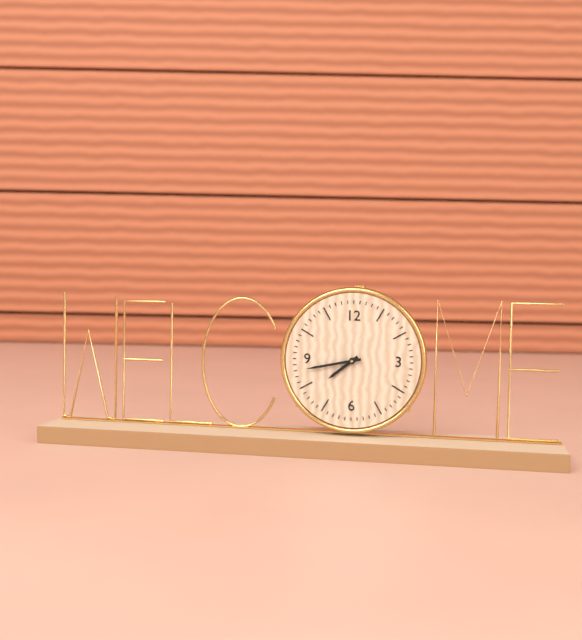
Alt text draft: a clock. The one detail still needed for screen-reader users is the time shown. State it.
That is 7:43
